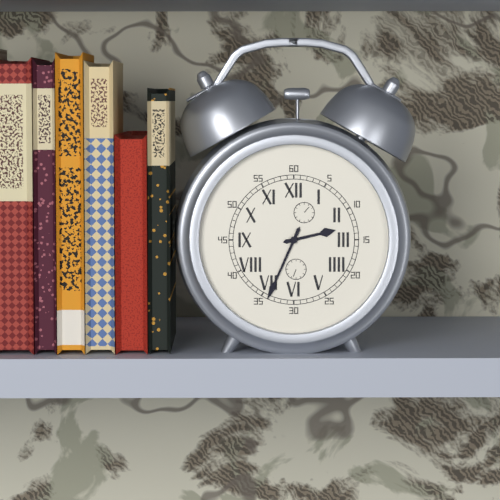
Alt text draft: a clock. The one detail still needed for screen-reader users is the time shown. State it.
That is 2:34
